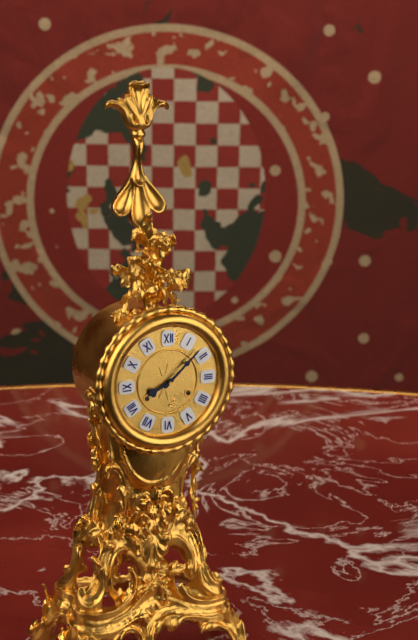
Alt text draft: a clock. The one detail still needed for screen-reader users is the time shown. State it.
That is 8:08
